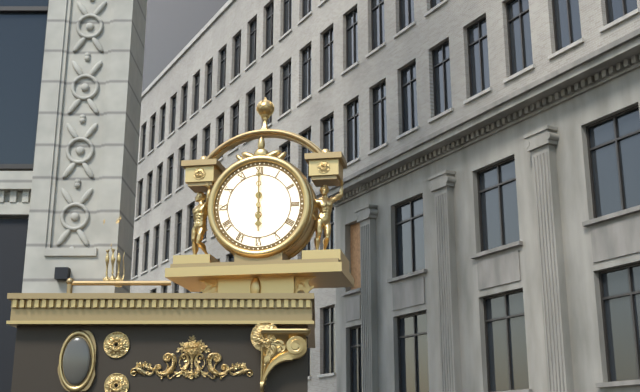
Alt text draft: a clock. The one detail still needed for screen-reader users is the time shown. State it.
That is 6:00
